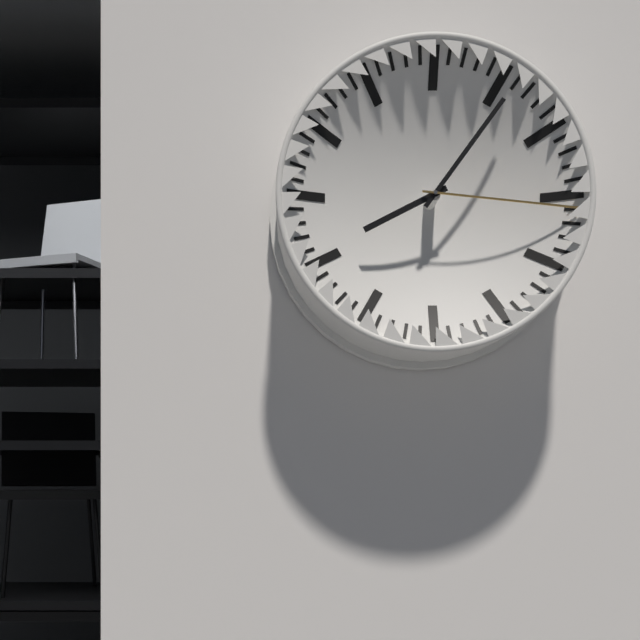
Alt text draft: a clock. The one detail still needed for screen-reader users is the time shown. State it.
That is 8:06:16
